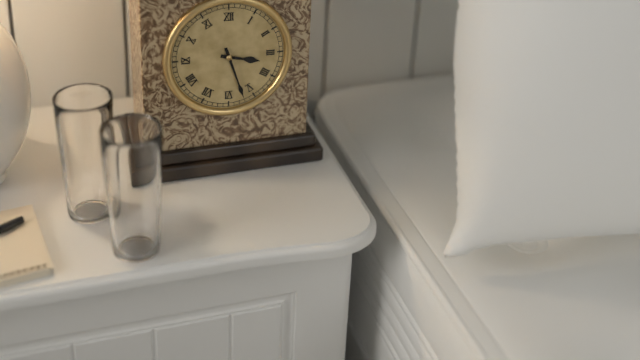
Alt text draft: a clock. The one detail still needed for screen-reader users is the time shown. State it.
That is 3:27
